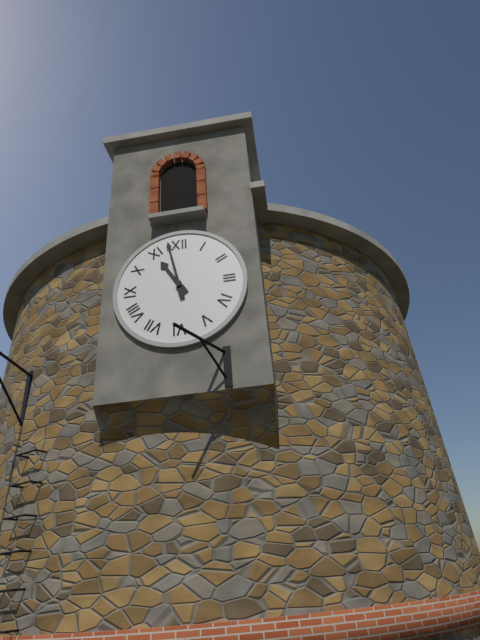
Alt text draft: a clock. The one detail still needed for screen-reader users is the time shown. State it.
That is 10:58
